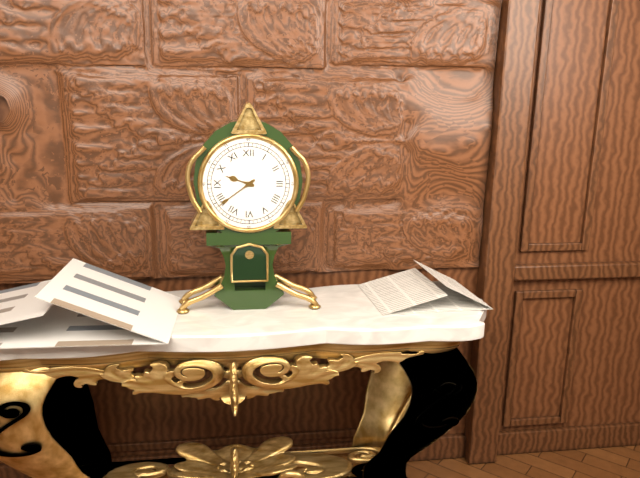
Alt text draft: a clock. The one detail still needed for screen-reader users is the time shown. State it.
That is 9:39
